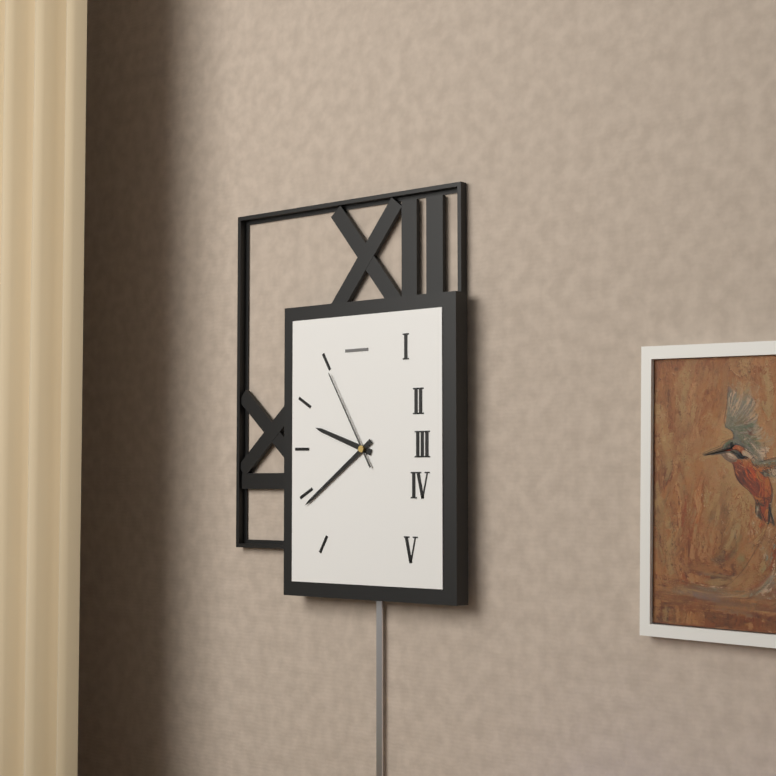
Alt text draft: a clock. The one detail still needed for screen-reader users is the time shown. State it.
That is 9:39:55
